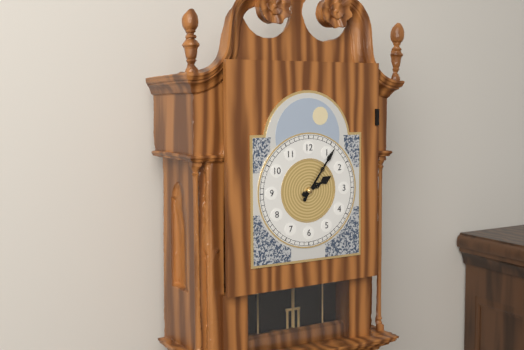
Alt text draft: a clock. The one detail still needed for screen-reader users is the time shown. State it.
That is 2:06
